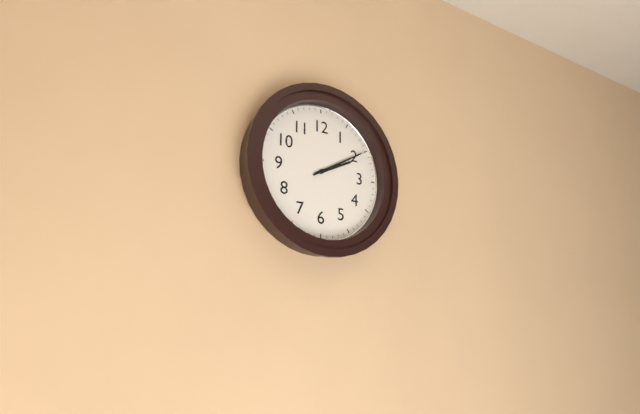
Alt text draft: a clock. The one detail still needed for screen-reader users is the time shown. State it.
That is 2:10
